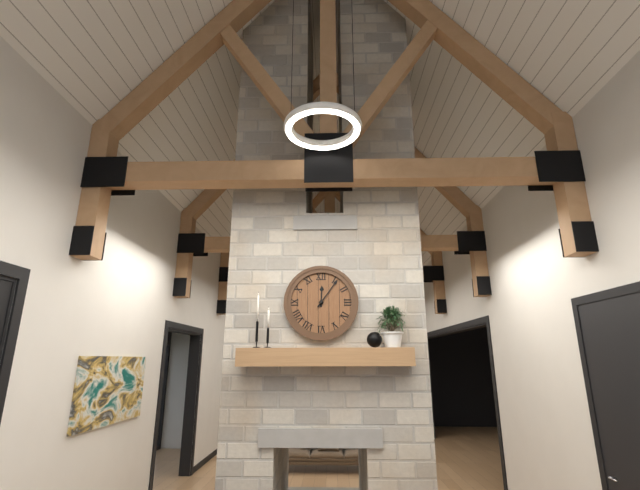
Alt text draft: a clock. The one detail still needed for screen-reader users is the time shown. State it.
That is 12:06
